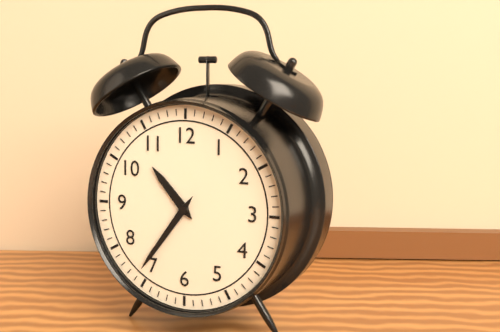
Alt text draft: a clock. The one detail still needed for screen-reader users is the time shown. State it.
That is 10:36
